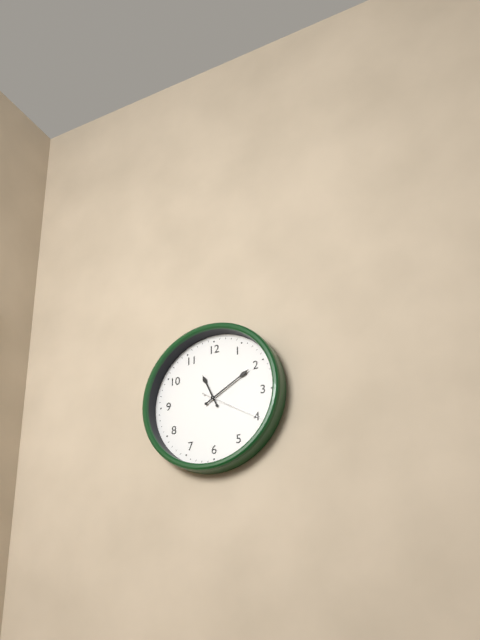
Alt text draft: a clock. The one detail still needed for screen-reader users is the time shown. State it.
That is 11:10:20
